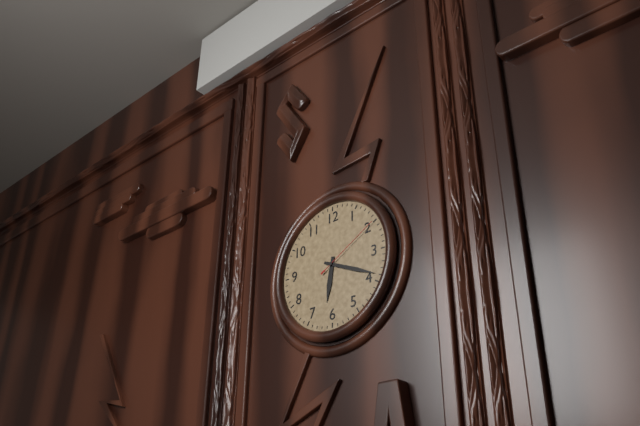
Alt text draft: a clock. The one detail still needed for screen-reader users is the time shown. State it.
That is 6:19:10
